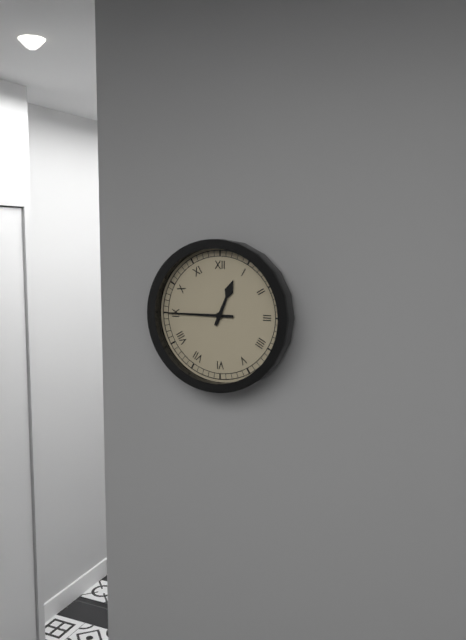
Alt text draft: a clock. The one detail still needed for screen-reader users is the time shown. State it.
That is 12:45
